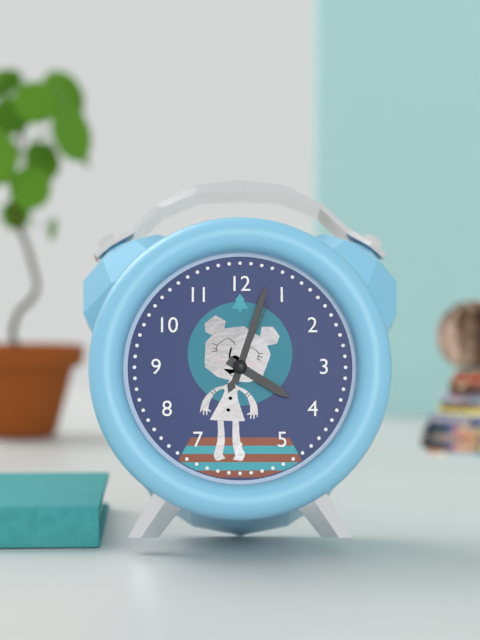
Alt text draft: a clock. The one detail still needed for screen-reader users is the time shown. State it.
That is 4:03:04
